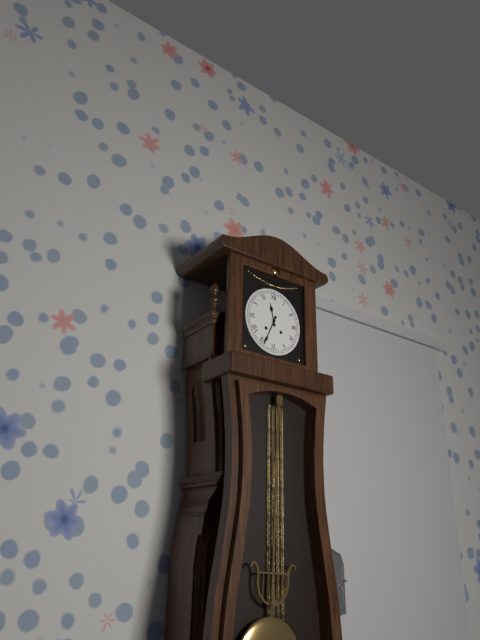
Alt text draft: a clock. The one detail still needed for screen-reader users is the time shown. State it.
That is 11:34
